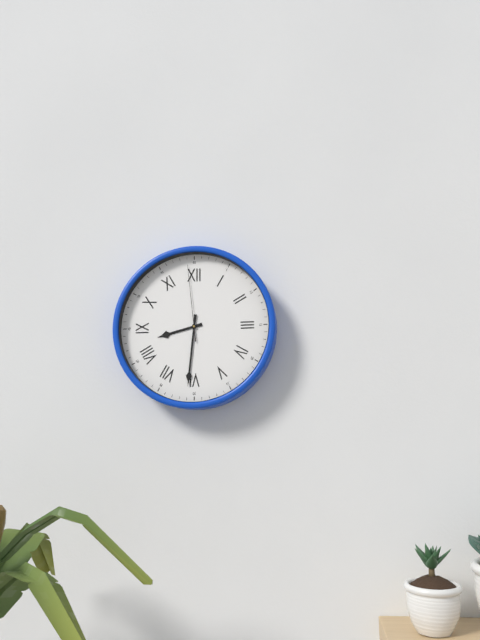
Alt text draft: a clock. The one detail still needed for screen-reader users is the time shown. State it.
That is 8:31:59
